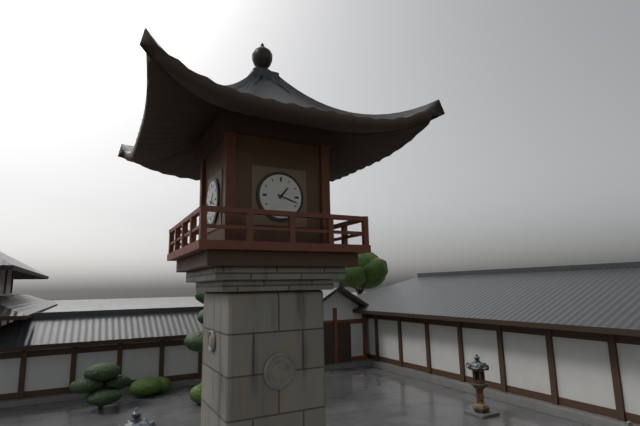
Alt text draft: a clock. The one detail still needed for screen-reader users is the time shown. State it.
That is 1:18
